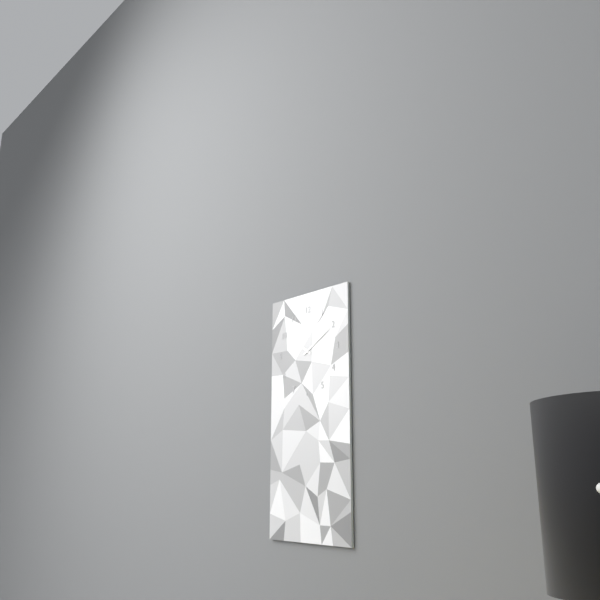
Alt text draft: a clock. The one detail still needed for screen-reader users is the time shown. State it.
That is 10:10
